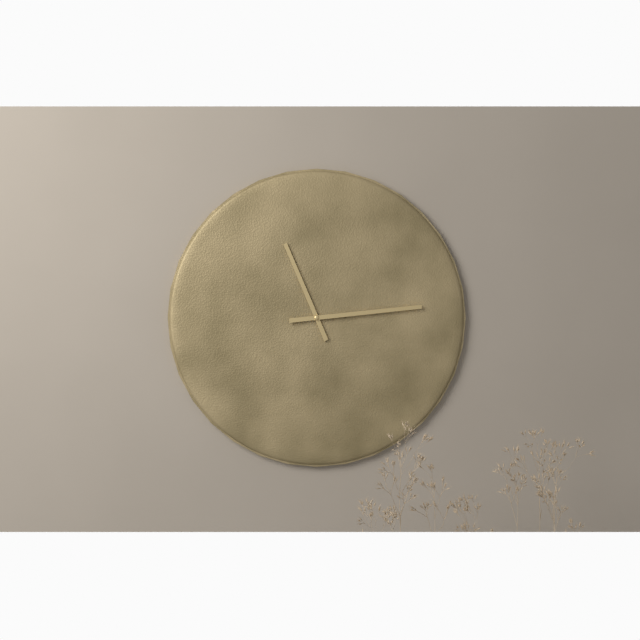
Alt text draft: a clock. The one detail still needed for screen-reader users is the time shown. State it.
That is 11:14
